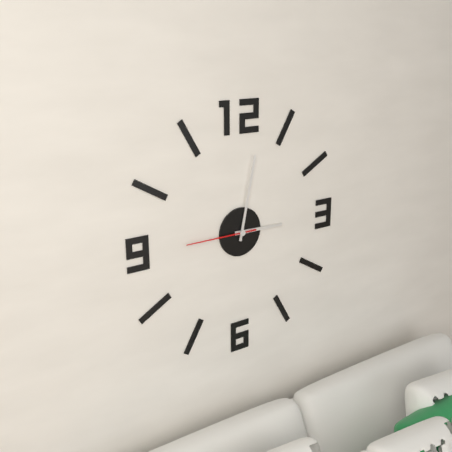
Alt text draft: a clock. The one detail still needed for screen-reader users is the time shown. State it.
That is 3:02:45
